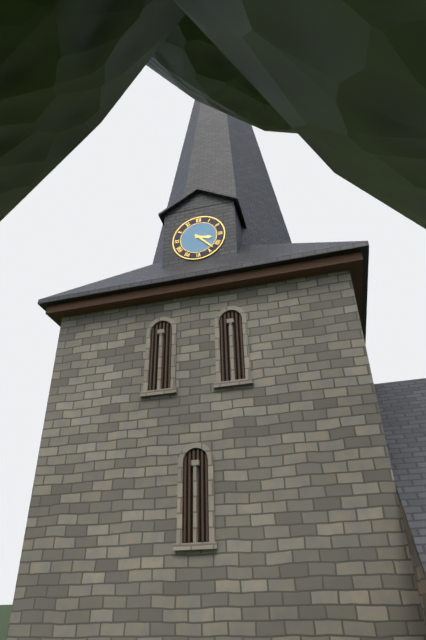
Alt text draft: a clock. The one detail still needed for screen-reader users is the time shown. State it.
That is 3:23
